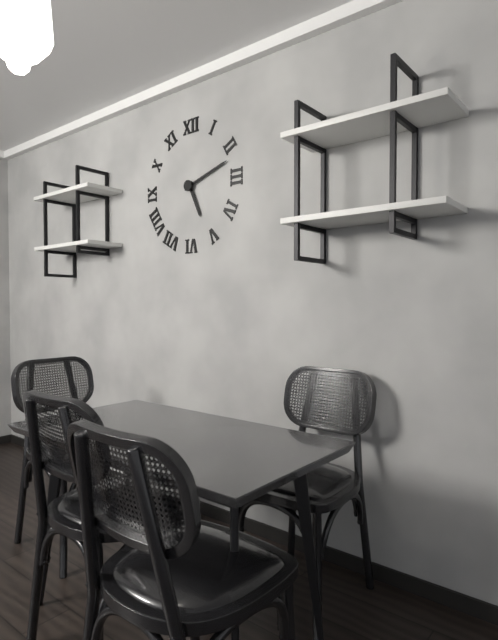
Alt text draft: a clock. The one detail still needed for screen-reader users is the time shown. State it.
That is 5:12
